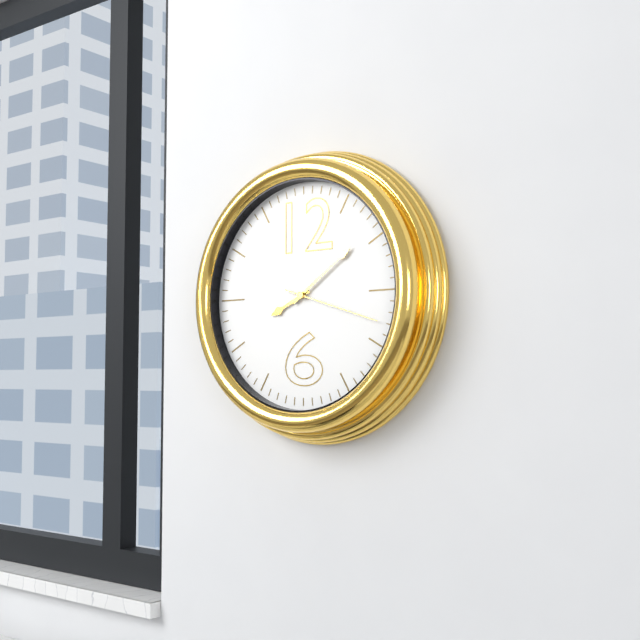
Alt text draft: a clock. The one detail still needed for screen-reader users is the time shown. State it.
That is 8:09:18
